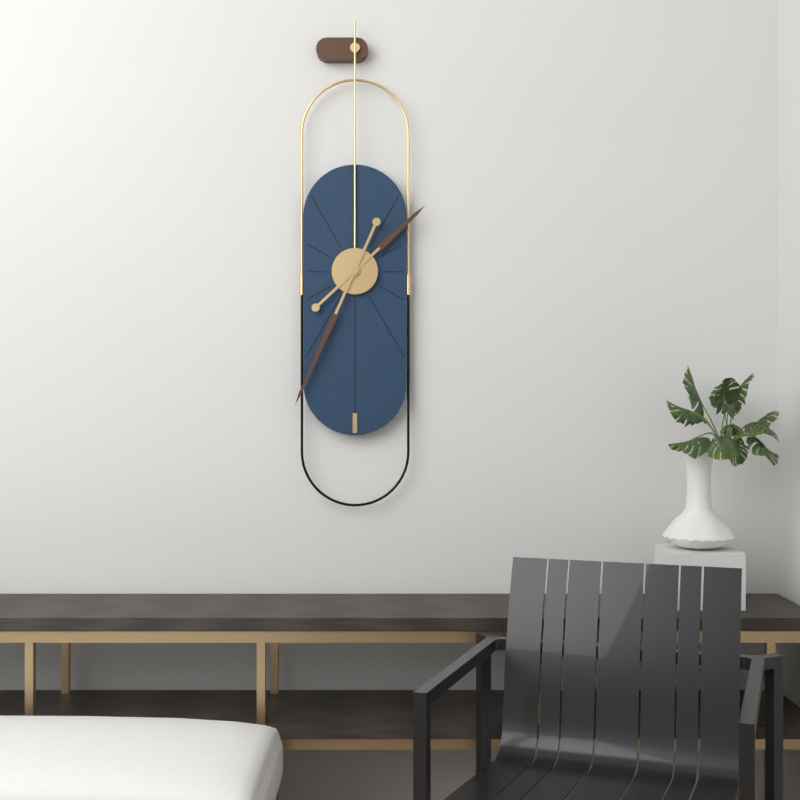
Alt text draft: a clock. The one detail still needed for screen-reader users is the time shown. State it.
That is 1:34
